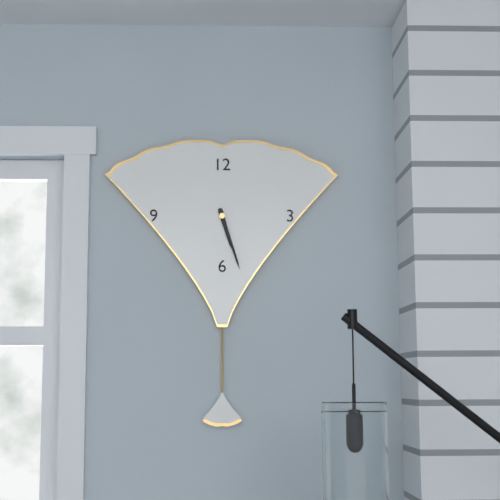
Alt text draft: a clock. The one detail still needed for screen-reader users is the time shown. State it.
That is 5:27
